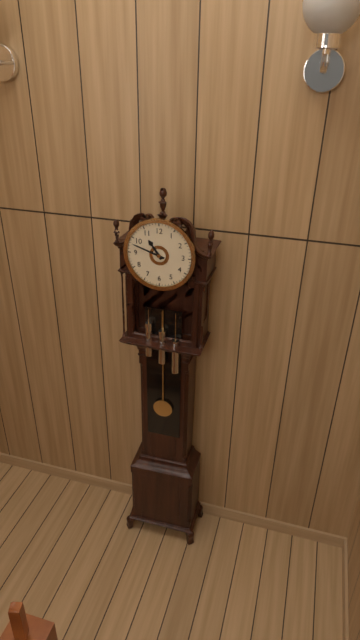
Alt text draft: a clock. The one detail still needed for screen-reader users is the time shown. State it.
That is 10:48
